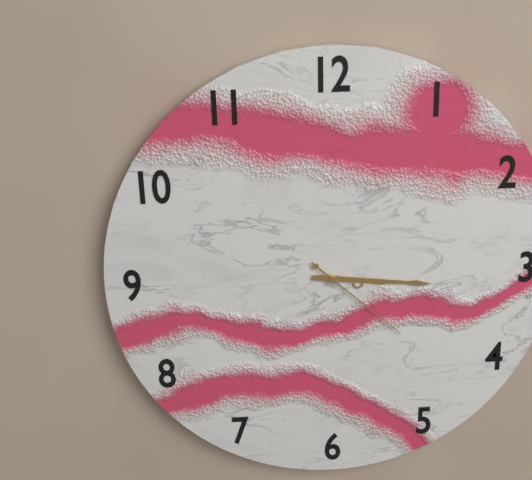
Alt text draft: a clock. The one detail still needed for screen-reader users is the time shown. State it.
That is 3:16:22
